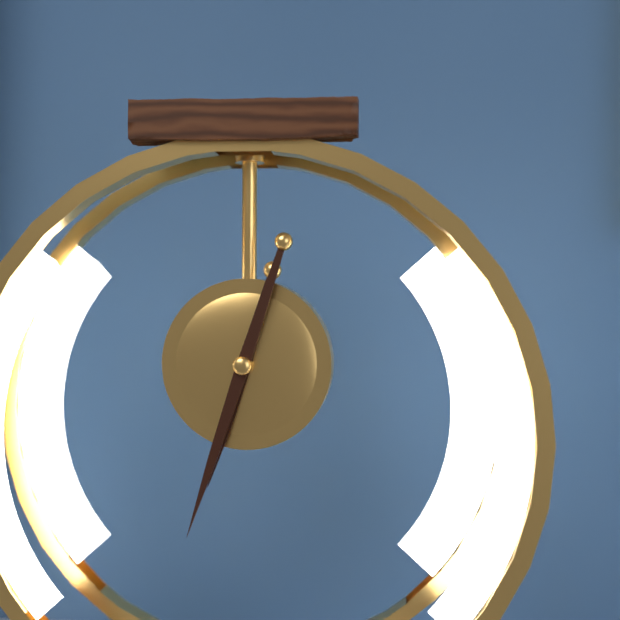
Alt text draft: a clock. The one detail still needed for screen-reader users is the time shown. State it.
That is 6:33
